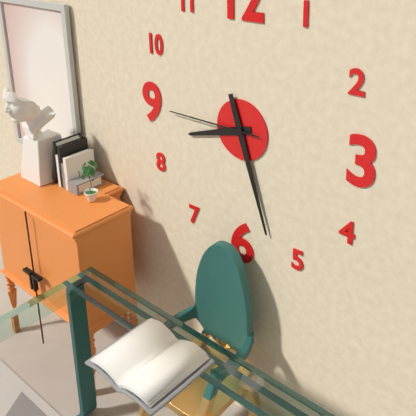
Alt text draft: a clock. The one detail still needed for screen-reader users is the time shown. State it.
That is 8:27:45
